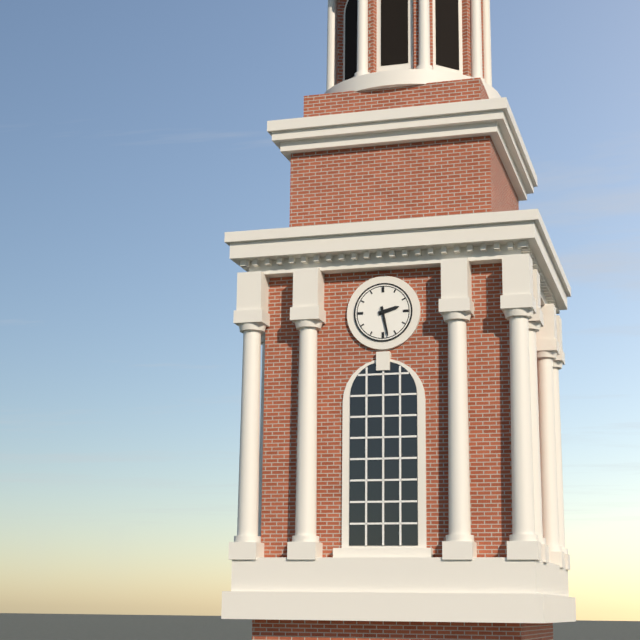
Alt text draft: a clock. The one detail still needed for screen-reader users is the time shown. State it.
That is 2:28
